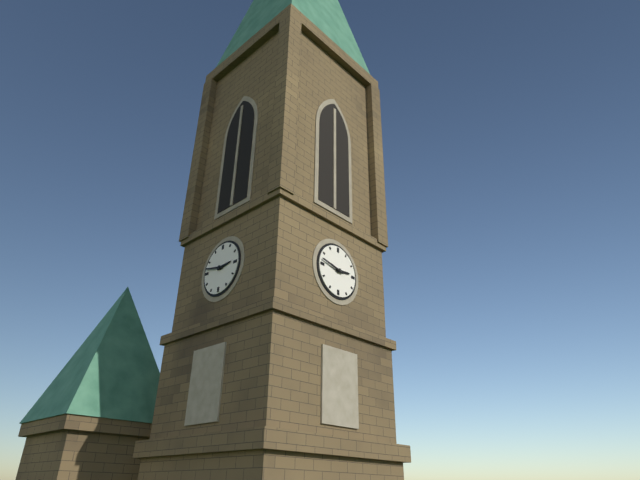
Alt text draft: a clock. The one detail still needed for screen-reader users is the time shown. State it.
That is 2:47
